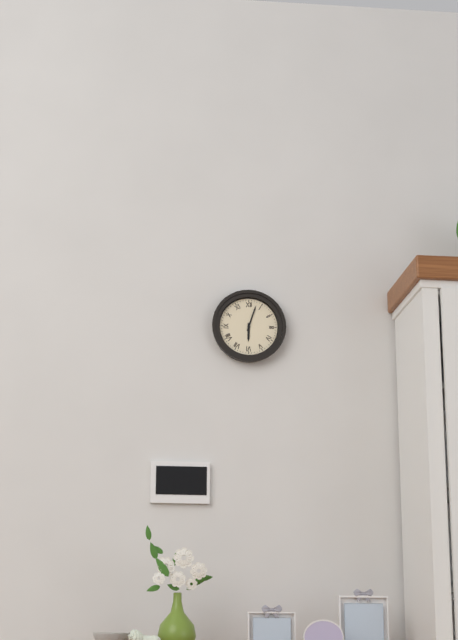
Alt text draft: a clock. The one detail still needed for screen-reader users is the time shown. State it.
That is 6:03
